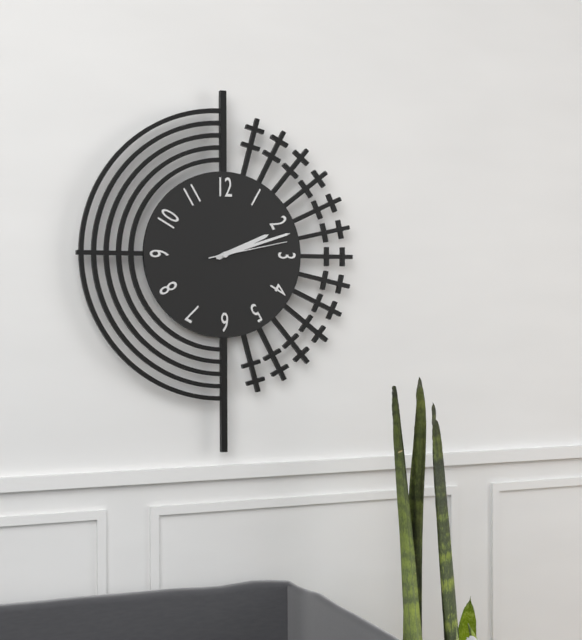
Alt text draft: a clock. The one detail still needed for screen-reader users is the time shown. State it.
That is 2:12:13
